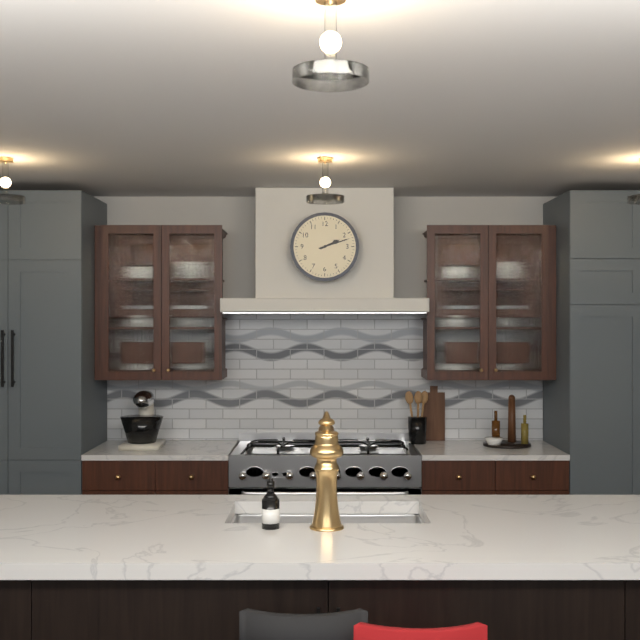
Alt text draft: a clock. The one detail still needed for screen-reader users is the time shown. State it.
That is 2:12
